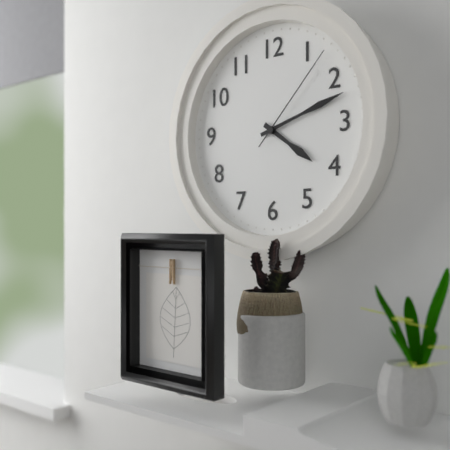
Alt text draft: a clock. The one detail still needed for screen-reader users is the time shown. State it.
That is 4:12:07
